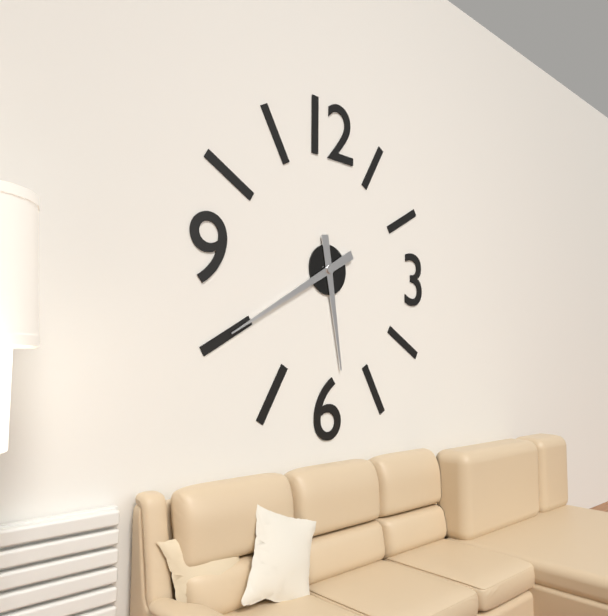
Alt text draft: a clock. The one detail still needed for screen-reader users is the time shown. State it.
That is 5:40
